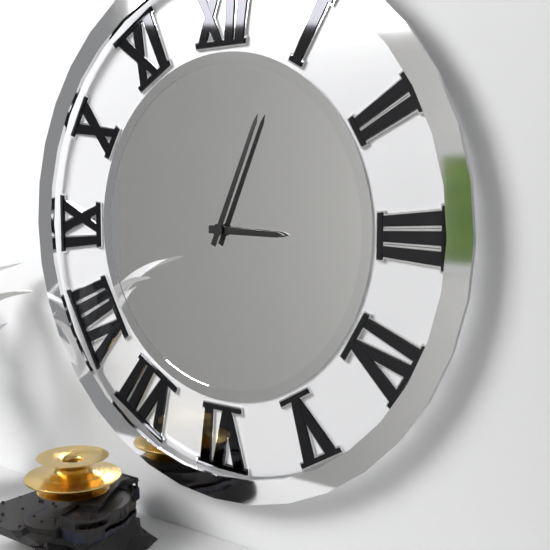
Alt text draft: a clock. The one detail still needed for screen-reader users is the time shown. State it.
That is 3:04
